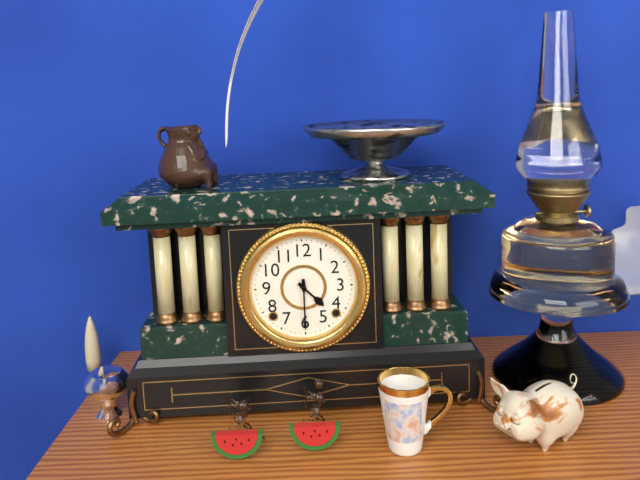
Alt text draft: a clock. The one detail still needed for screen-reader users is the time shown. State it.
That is 4:30
